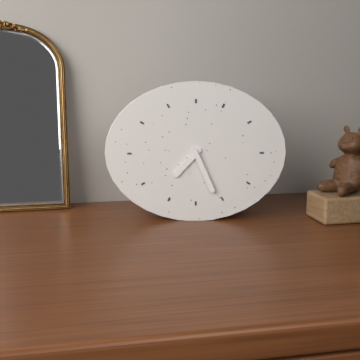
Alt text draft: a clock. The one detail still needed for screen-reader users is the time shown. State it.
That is 7:26
